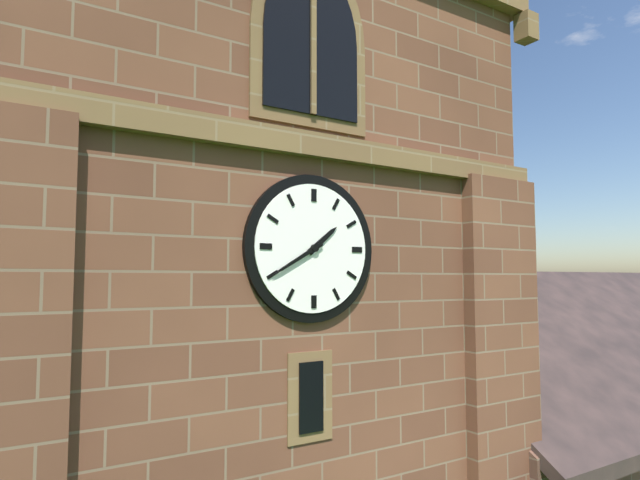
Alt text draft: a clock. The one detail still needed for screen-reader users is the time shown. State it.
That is 1:40
